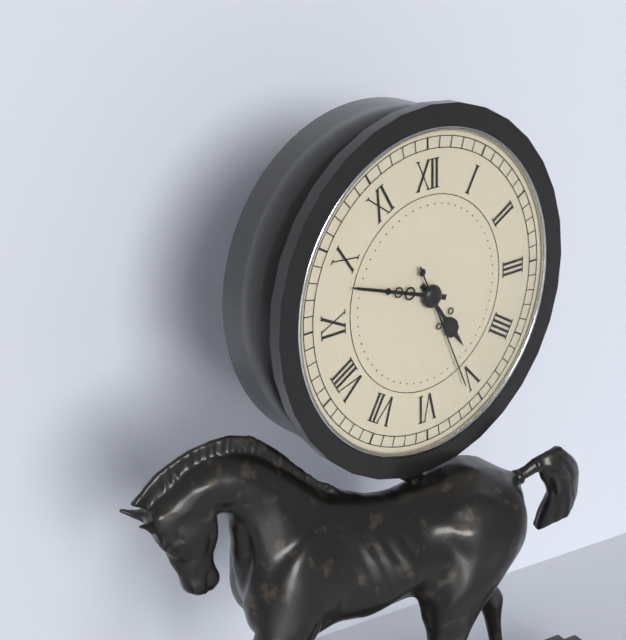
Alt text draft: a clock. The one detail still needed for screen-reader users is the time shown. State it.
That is 4:48:26
